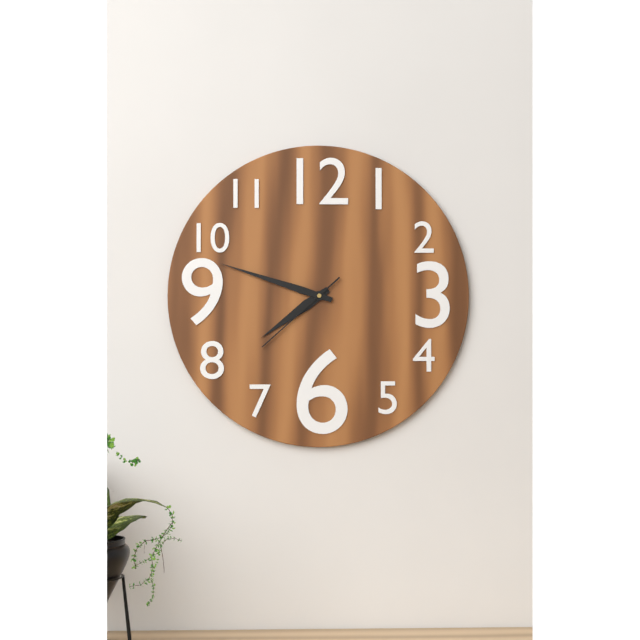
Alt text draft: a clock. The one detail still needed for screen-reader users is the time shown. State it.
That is 7:48:38
